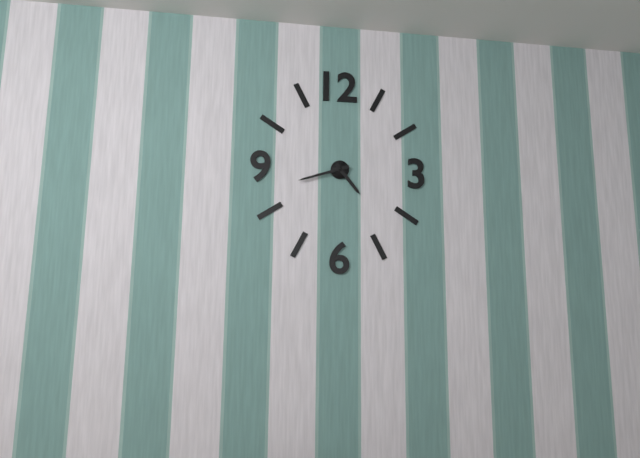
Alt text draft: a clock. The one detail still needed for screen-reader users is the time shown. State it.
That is 4:42
